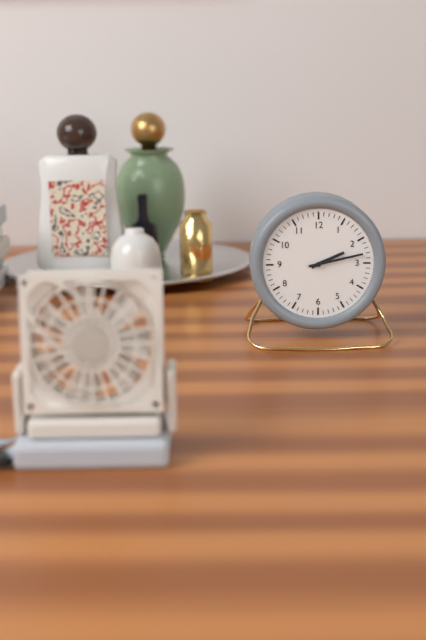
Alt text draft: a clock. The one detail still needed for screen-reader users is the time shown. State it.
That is 2:13
